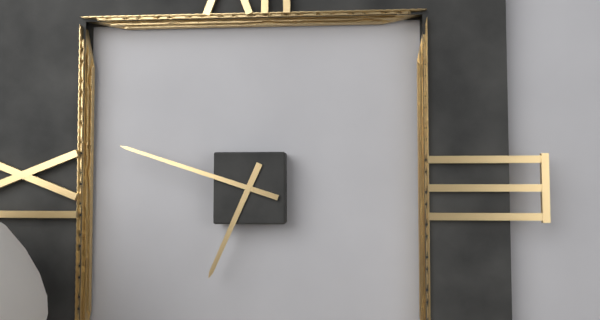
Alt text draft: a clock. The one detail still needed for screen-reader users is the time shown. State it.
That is 6:48
